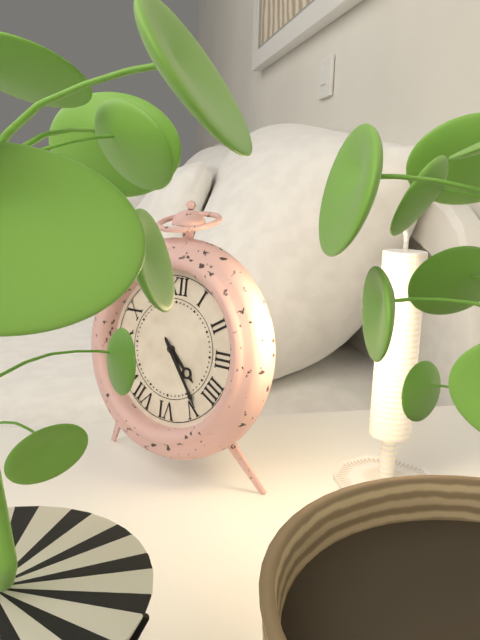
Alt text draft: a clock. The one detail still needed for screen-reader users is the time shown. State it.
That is 4:24
